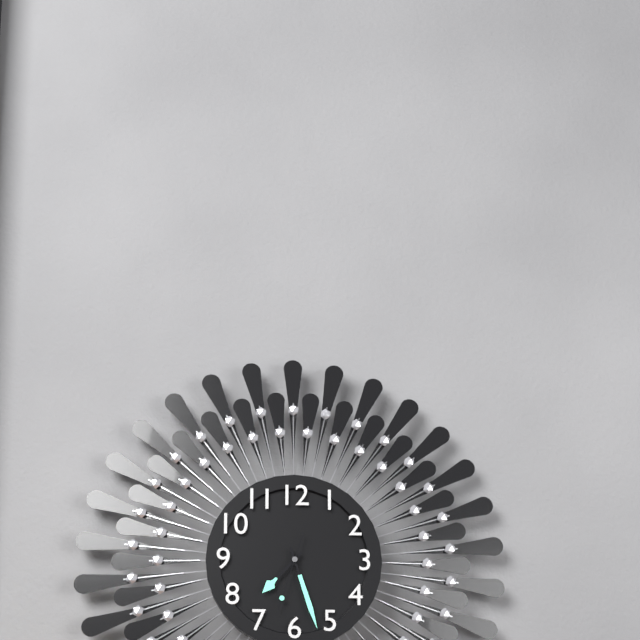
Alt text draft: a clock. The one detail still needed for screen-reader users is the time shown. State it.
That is 7:27:33
